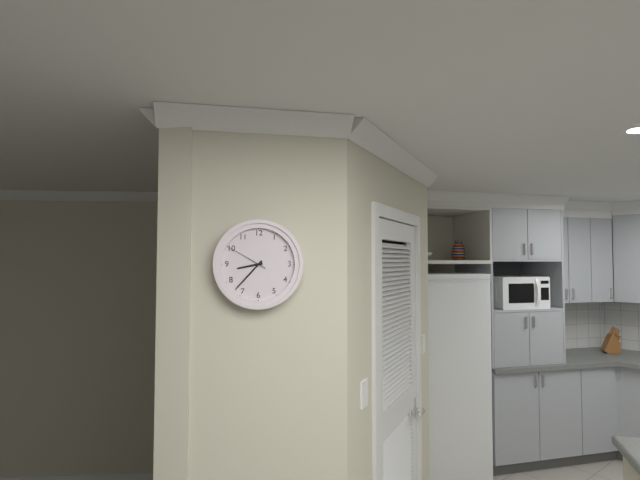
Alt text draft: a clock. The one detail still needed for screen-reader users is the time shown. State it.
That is 8:37
